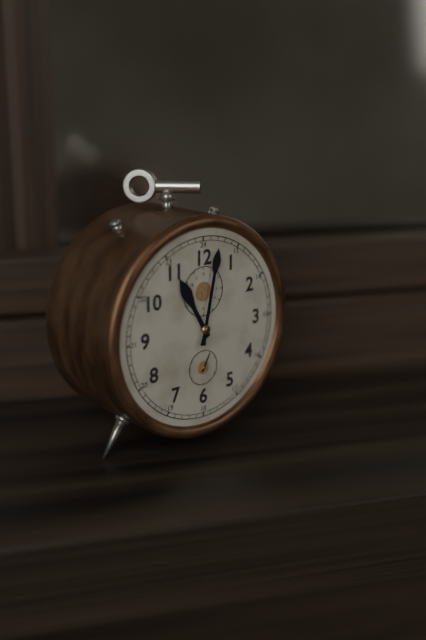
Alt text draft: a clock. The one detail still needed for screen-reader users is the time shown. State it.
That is 11:02
